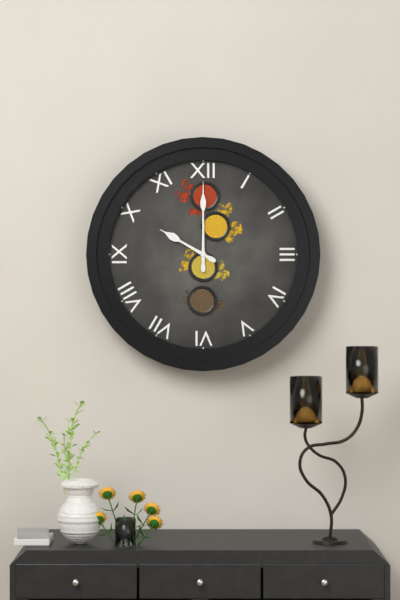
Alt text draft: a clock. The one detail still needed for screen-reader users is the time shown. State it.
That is 10:00
